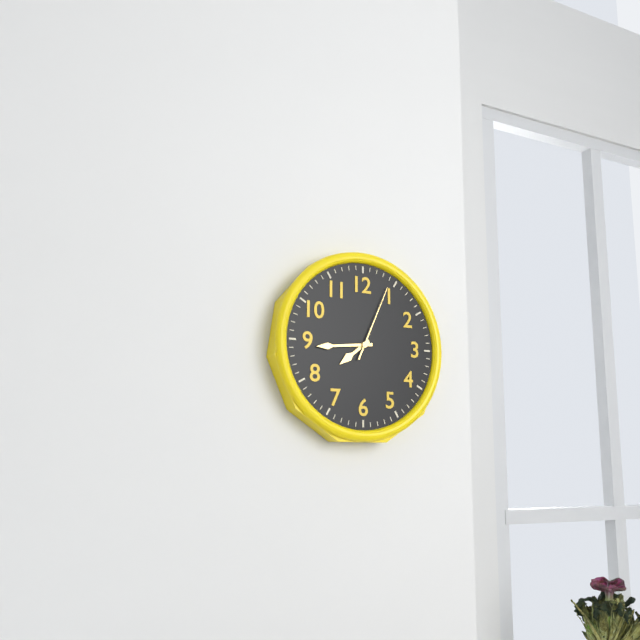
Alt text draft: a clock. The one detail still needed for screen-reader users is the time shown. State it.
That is 7:44:04
